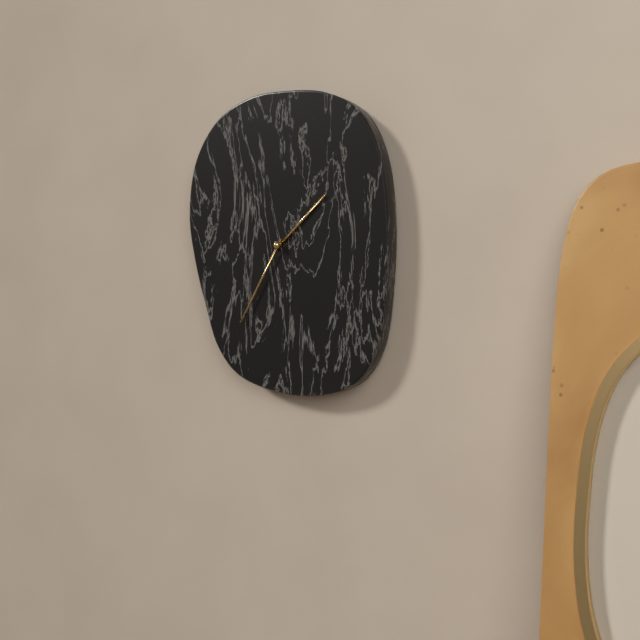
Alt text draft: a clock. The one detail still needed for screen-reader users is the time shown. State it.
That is 1:35
